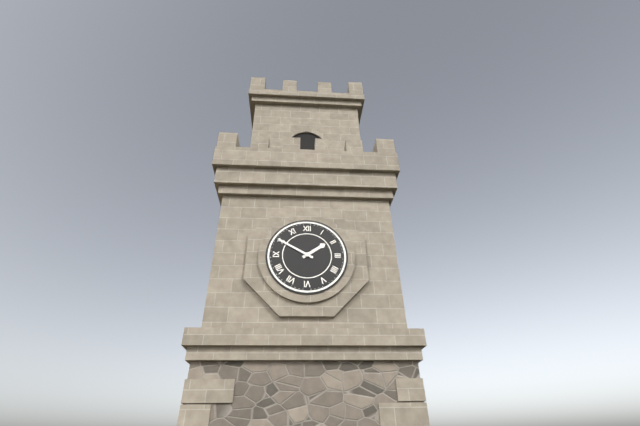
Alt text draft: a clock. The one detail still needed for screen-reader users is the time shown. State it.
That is 1:50
